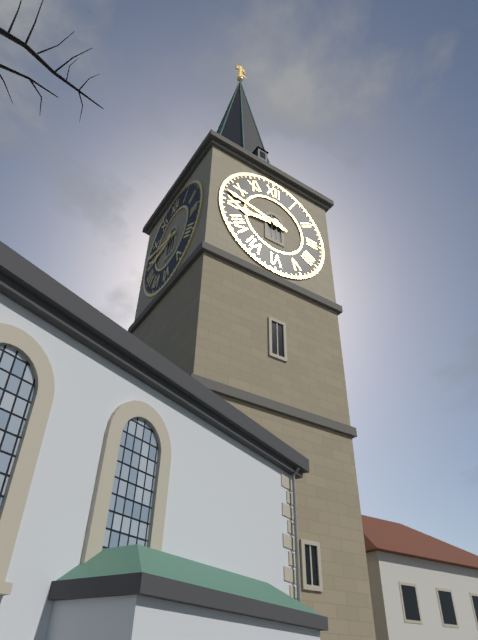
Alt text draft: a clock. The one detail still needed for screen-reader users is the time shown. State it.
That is 8:47
